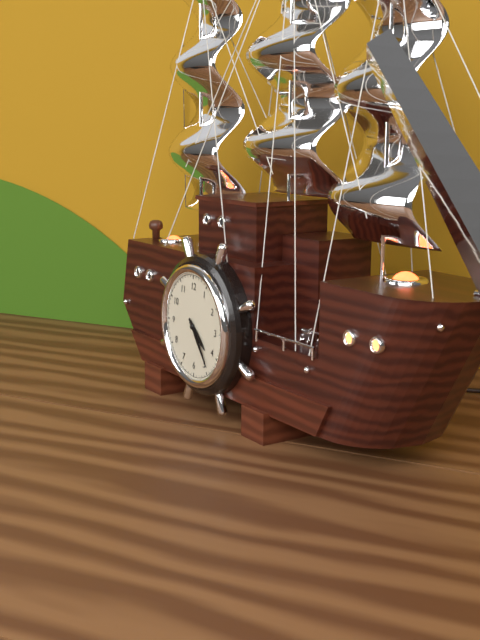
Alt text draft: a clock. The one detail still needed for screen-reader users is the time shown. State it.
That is 4:24
